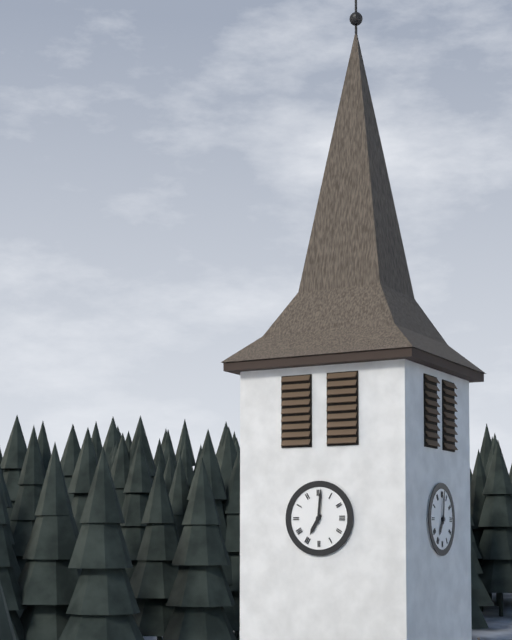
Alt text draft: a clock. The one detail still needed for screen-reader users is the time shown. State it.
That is 7:01
